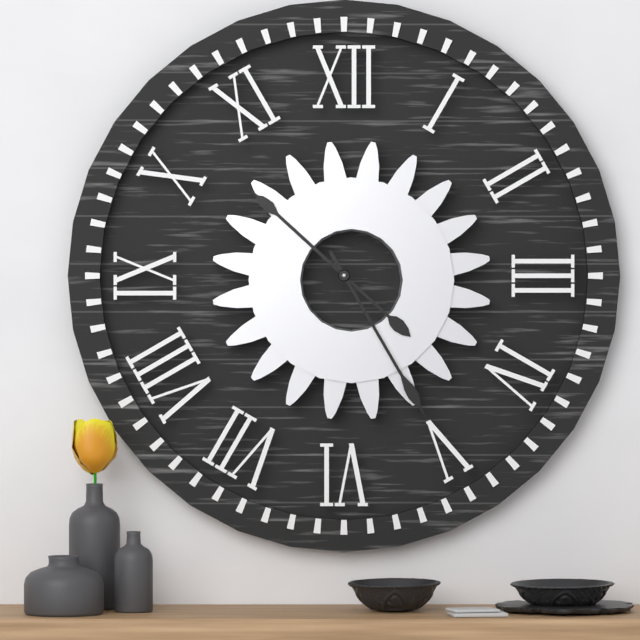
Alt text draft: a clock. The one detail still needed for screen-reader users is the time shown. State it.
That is 10:25
